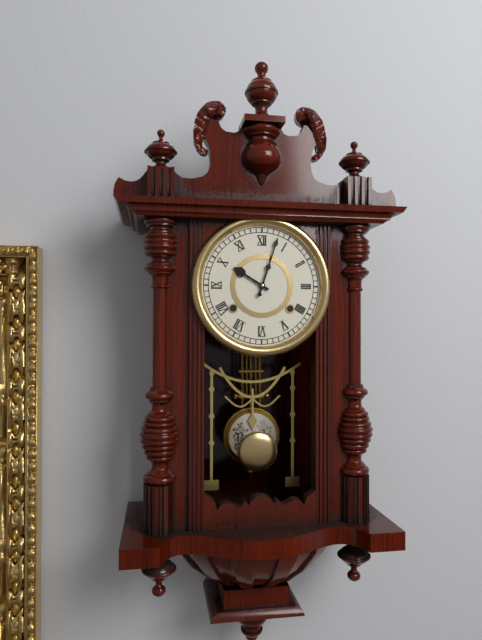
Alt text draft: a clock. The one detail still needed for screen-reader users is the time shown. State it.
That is 10:03
